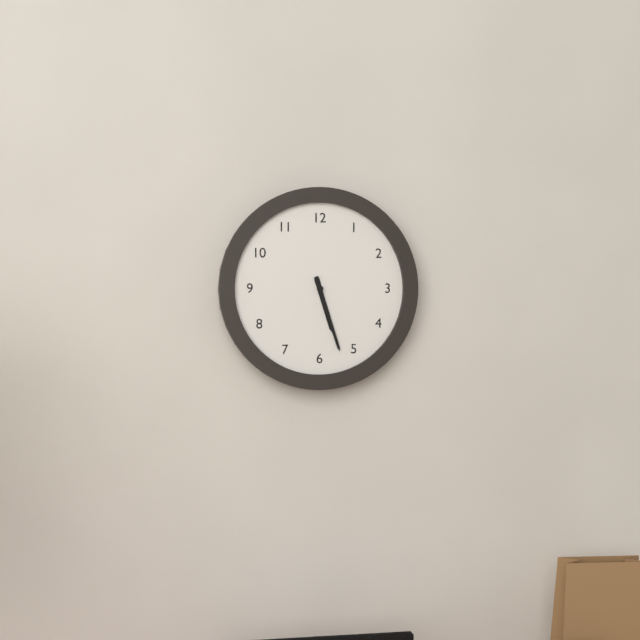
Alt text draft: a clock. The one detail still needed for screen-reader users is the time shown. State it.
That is 5:27
